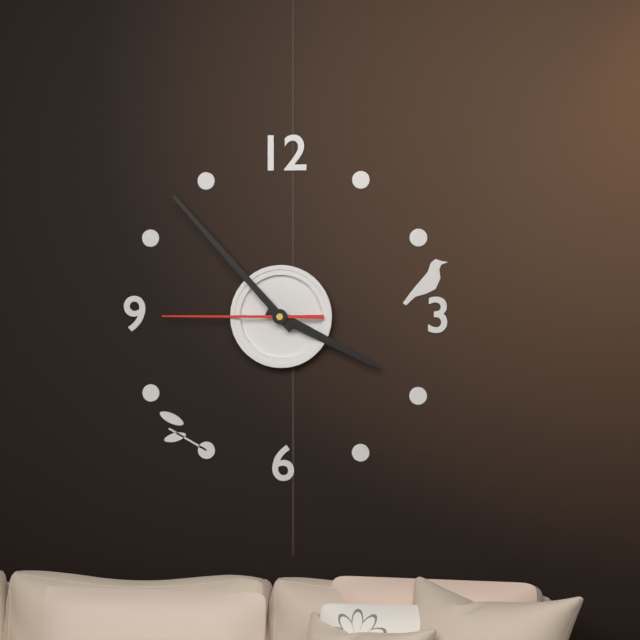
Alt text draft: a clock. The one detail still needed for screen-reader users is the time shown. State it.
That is 3:53:45
